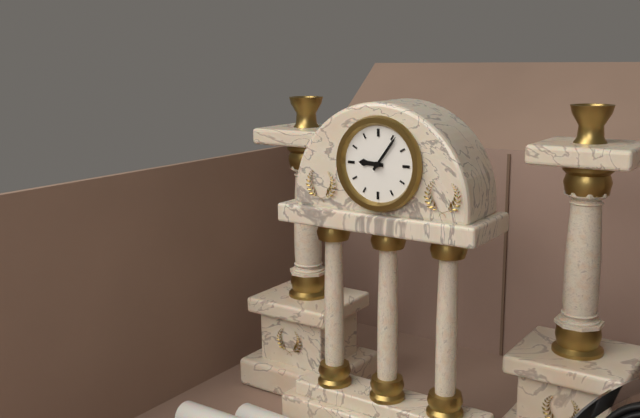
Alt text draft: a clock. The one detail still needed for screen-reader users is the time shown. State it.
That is 9:06
